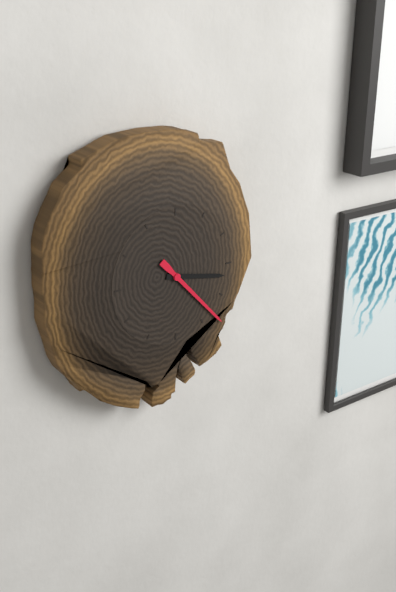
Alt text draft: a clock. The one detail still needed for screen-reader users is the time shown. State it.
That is 3:23
